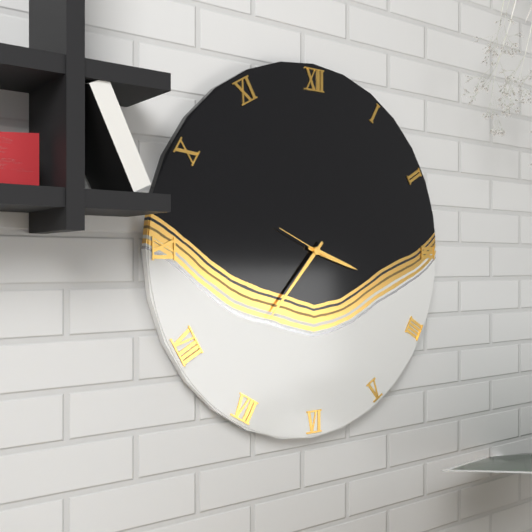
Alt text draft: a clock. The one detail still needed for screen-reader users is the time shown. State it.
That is 3:37
